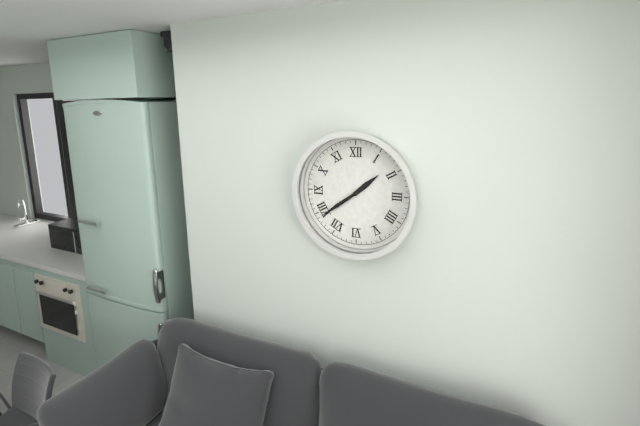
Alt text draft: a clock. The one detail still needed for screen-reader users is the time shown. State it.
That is 1:39
